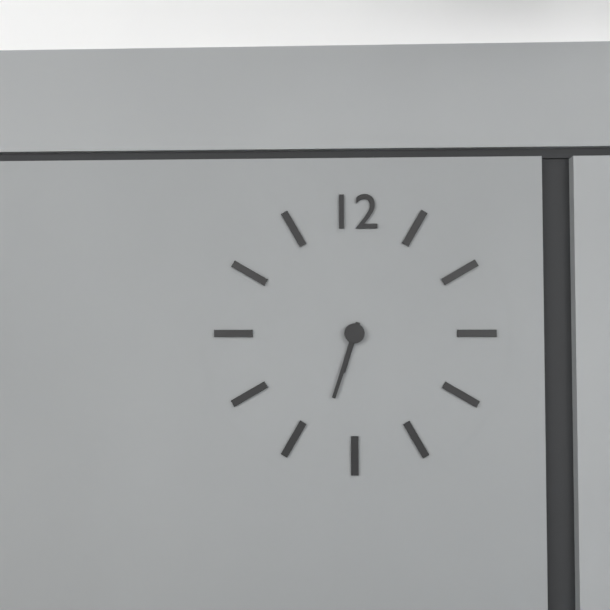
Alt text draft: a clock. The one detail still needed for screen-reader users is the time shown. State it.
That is 6:33
